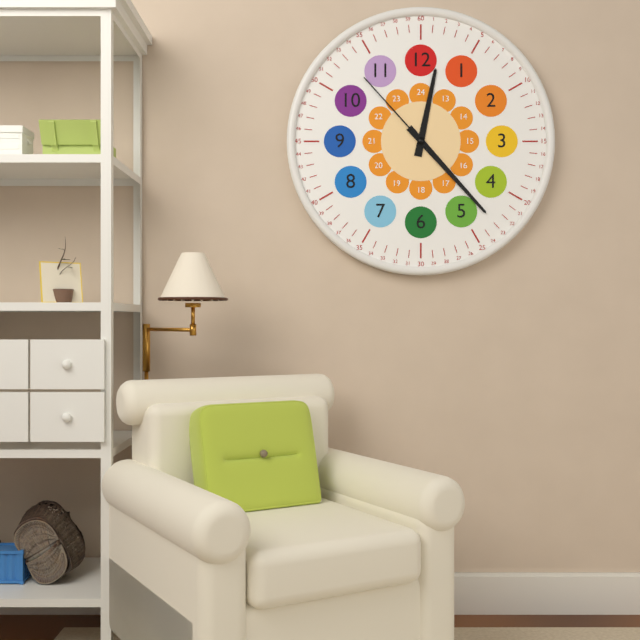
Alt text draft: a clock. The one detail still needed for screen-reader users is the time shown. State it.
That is 12:23:53
